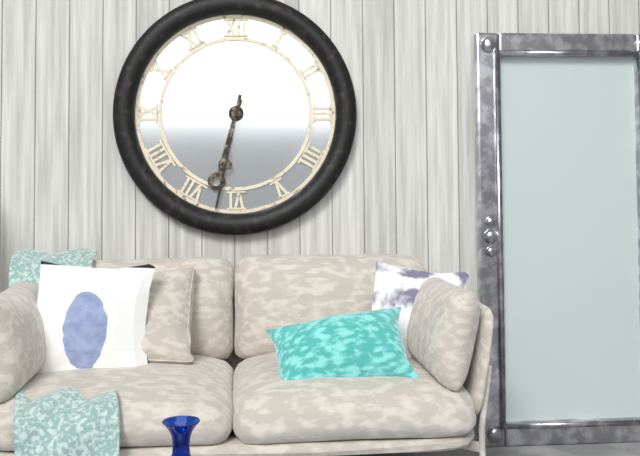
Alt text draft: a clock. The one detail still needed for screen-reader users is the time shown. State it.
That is 6:32
